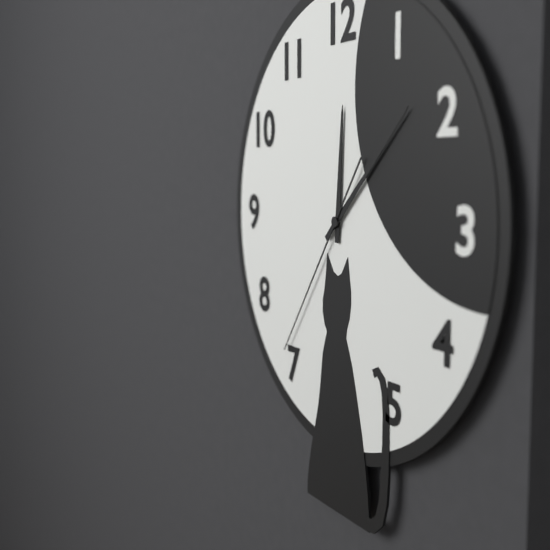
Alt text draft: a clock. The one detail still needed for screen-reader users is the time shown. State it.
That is 12:08:36
